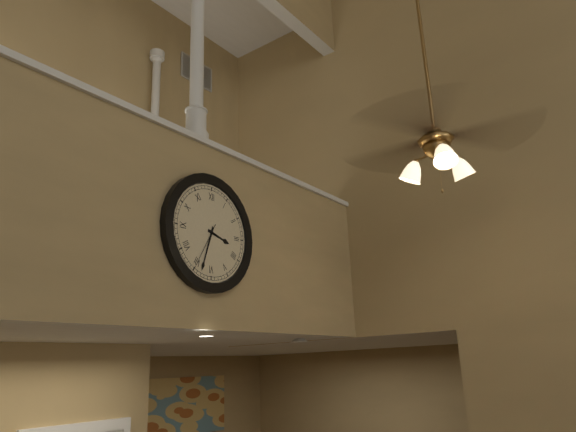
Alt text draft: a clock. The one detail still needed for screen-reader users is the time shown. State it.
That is 3:33
